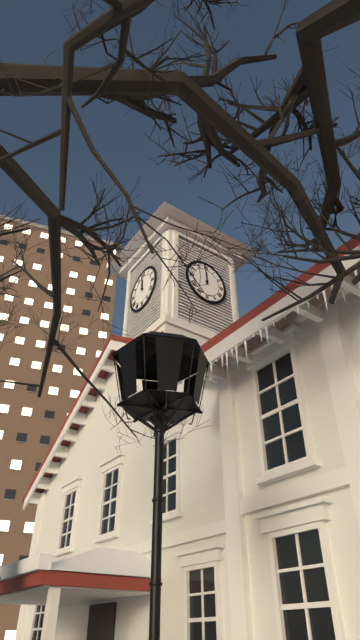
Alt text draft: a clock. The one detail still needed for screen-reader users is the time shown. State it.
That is 11:59
